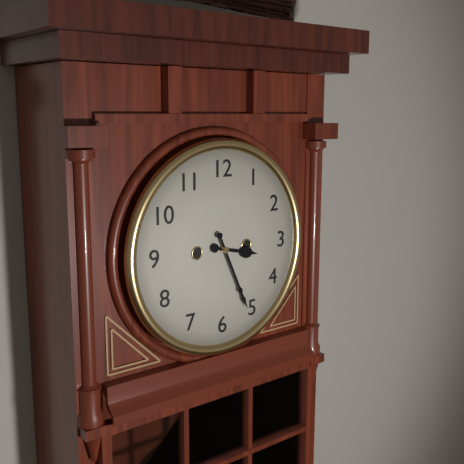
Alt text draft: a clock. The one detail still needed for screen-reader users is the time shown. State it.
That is 3:26
